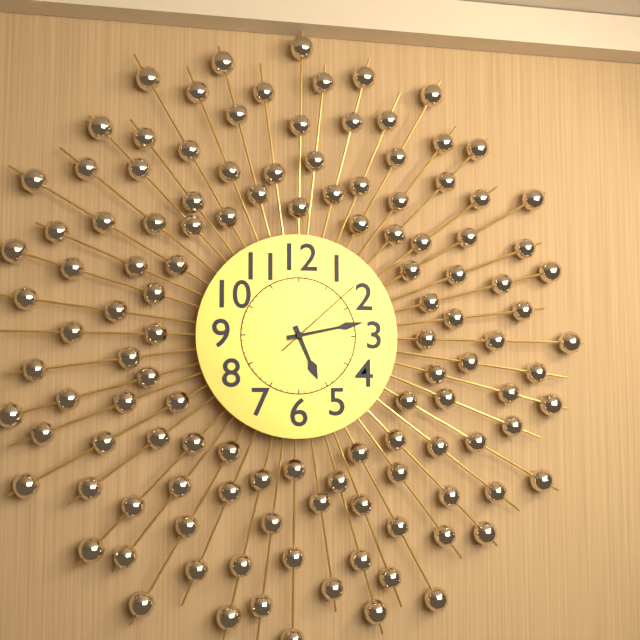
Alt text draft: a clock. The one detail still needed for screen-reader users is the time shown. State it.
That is 5:13:08
